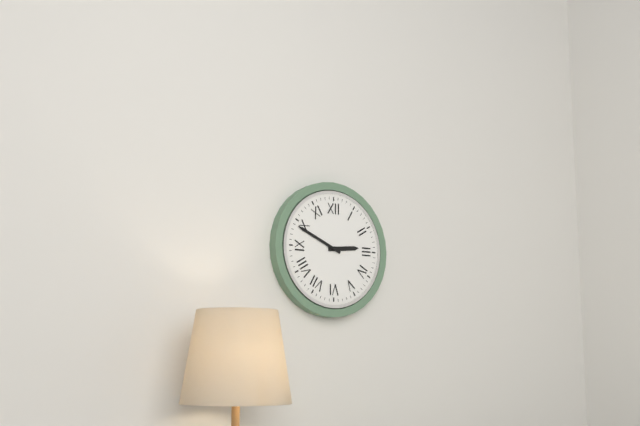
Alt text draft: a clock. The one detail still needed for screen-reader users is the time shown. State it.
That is 2:49
